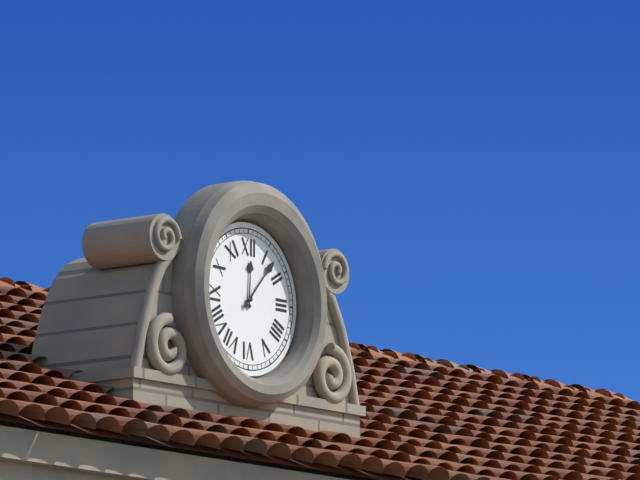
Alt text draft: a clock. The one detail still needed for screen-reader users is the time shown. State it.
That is 12:07
